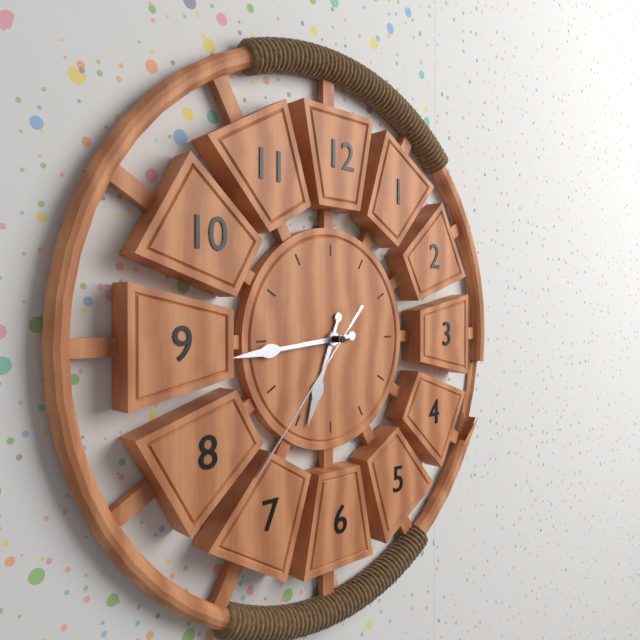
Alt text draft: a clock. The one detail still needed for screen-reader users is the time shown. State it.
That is 6:44:37
